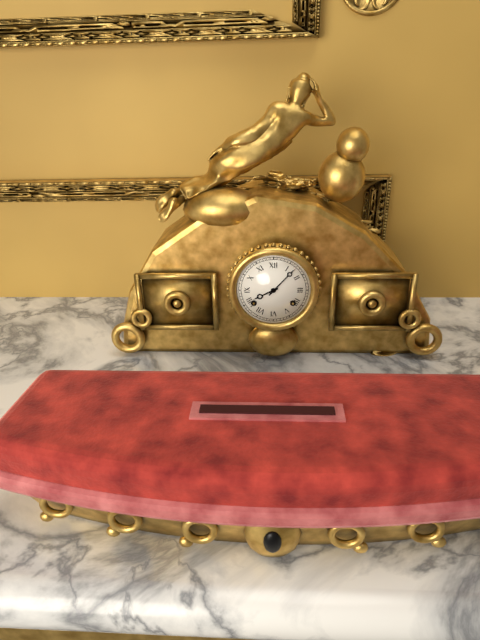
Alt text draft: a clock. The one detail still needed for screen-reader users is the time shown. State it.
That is 8:07
